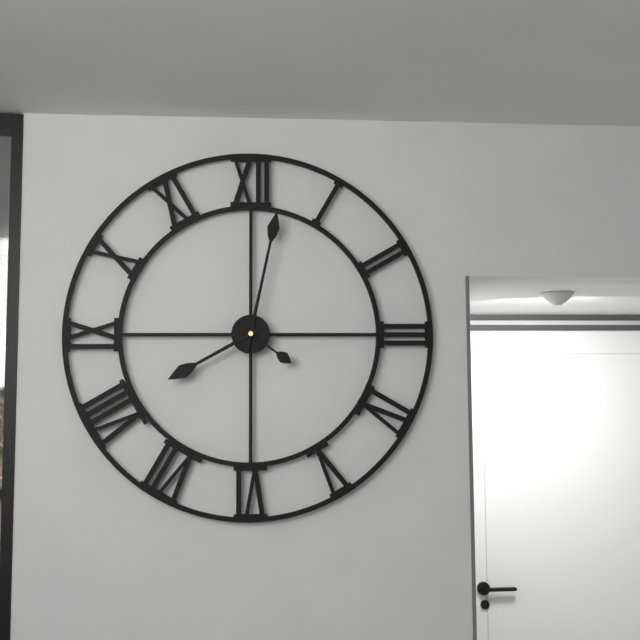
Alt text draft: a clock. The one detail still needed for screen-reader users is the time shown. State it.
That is 8:02:21
